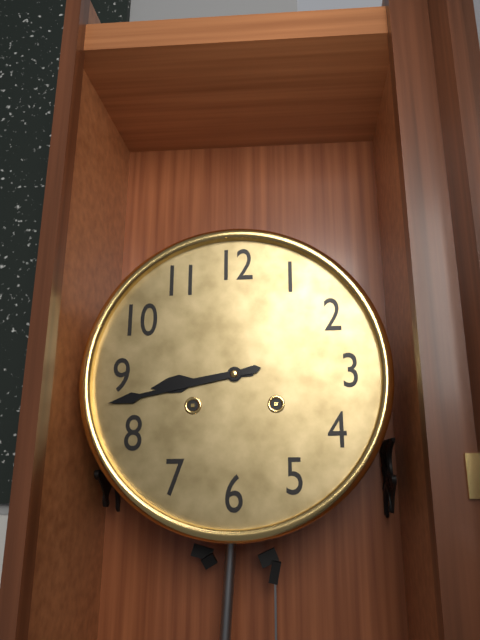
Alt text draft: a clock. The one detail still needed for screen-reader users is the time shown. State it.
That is 8:43
